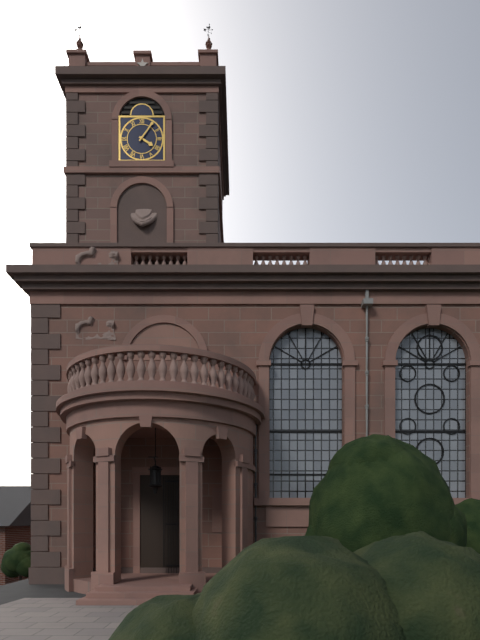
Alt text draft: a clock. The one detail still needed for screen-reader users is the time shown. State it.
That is 4:06
